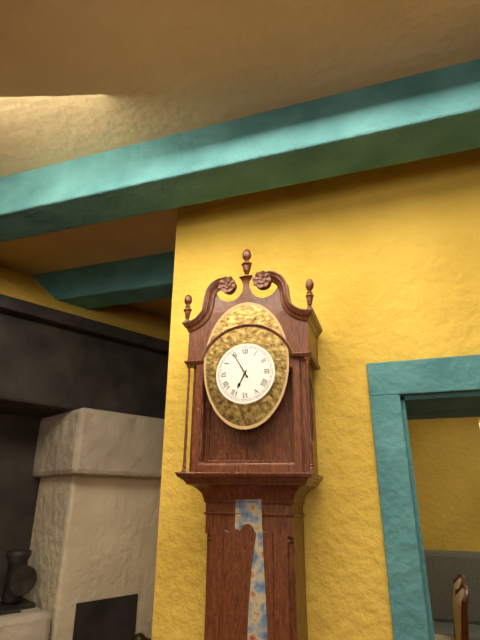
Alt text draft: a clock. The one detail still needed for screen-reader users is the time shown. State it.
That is 6:55
